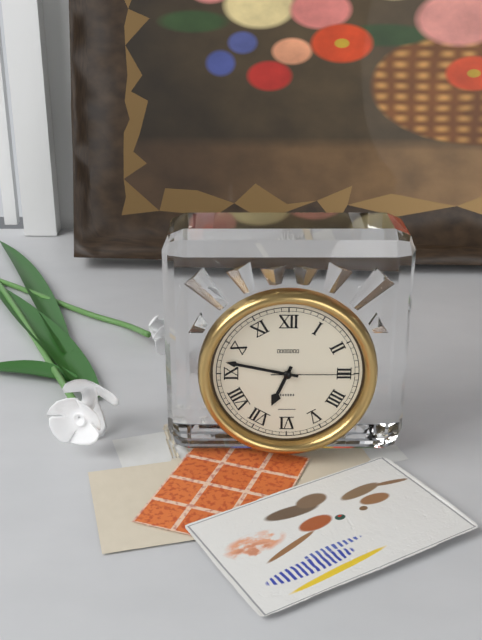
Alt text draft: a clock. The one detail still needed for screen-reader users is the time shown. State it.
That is 6:47:15
